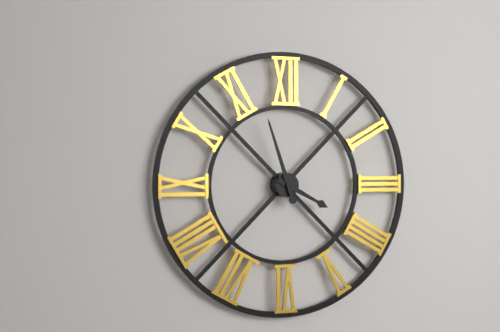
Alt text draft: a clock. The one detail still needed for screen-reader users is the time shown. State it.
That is 3:57
